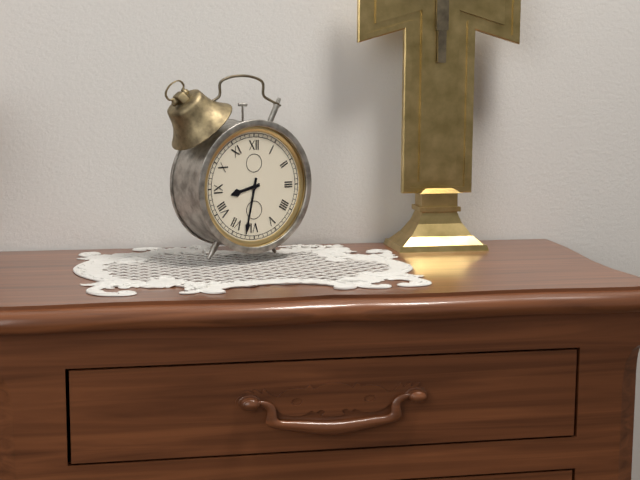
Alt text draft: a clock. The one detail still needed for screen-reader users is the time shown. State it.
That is 8:32
